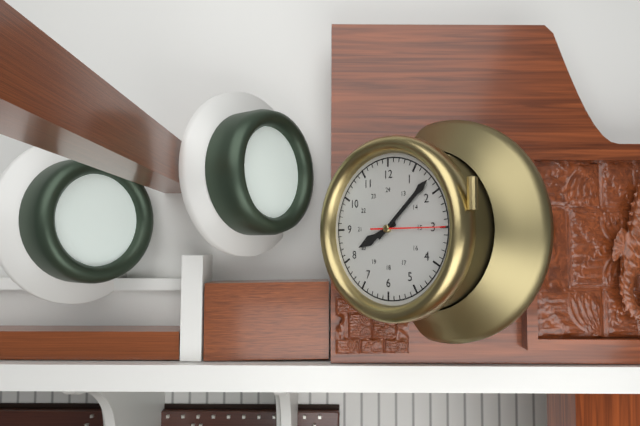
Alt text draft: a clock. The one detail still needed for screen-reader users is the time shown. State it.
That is 8:08:15
